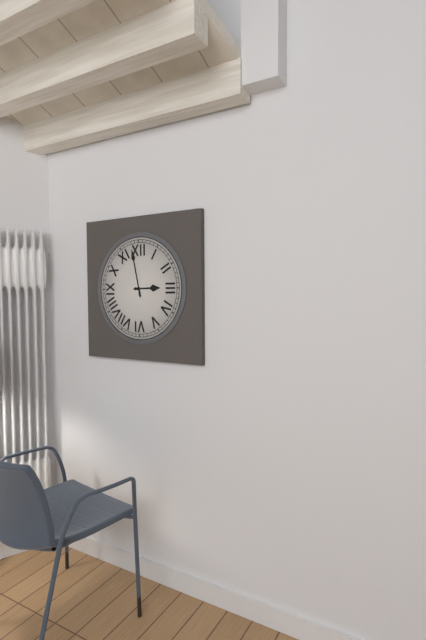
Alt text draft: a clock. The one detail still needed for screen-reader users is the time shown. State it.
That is 2:58
